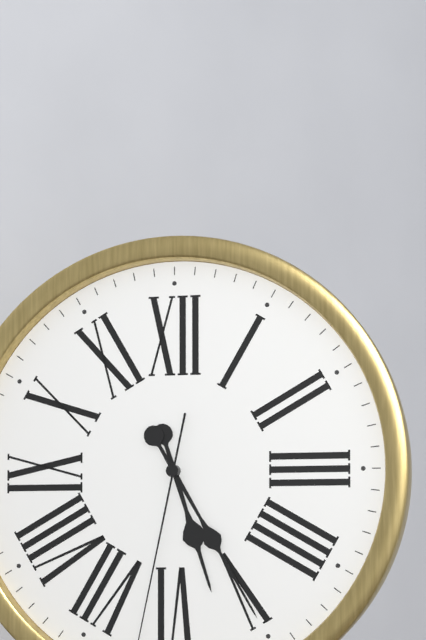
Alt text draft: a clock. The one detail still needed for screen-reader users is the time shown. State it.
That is 5:25
